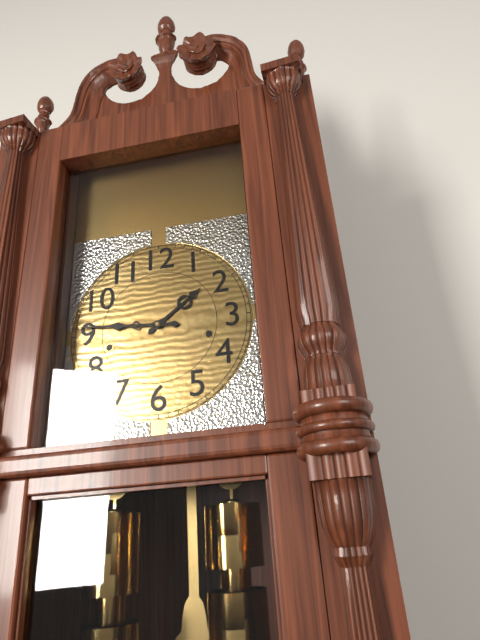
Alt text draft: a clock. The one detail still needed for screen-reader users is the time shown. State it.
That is 1:46
